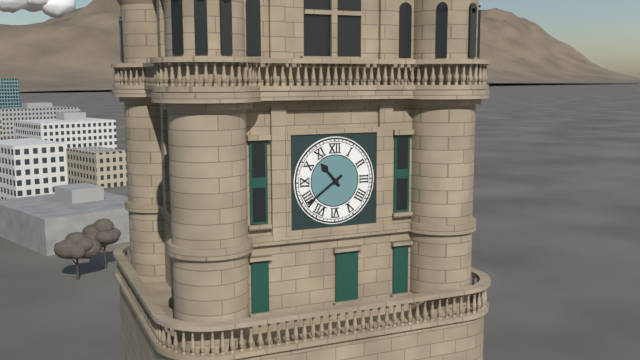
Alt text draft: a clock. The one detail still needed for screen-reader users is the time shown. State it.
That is 10:39
